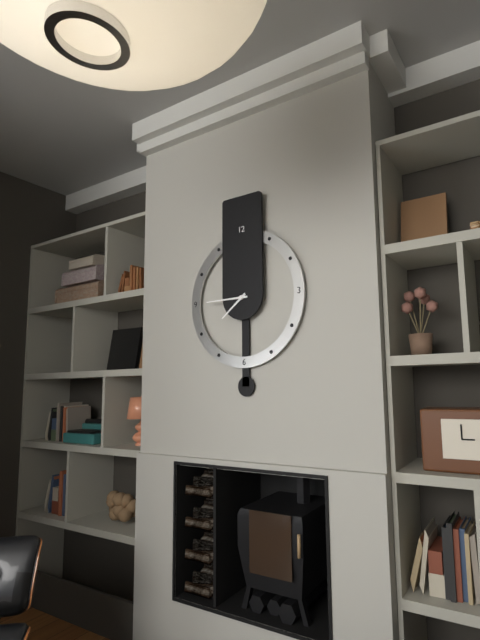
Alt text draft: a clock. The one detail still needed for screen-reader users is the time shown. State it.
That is 7:45
